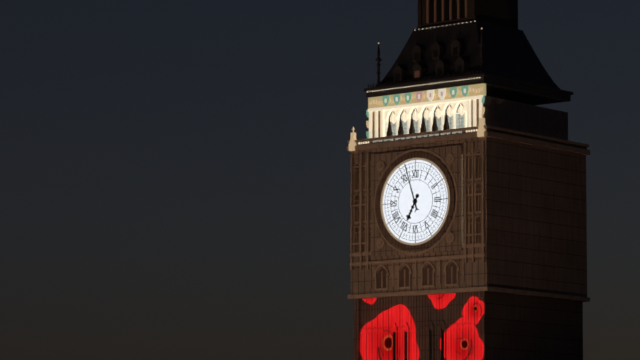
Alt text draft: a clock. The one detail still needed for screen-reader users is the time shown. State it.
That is 6:57
